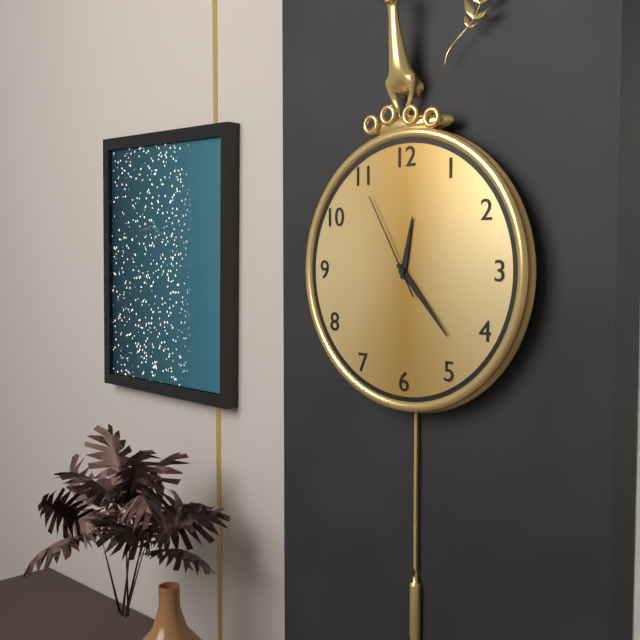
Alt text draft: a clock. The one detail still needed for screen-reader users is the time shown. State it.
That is 12:23:55
